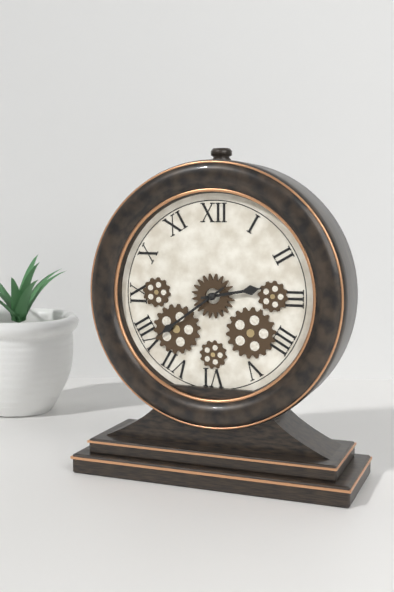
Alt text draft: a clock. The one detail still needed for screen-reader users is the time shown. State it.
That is 2:39
